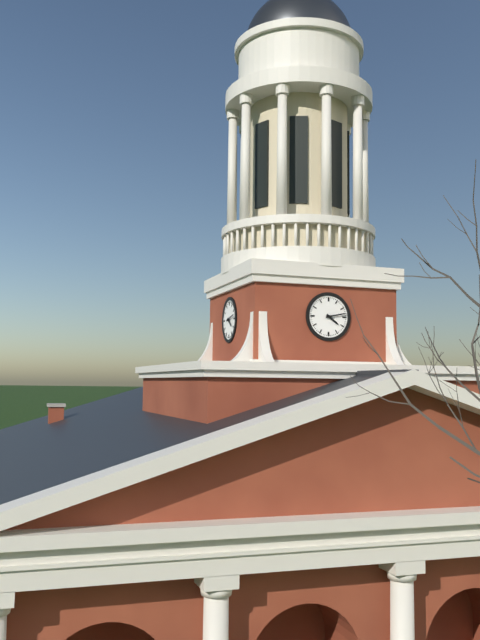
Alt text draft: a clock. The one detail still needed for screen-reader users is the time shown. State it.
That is 4:13
